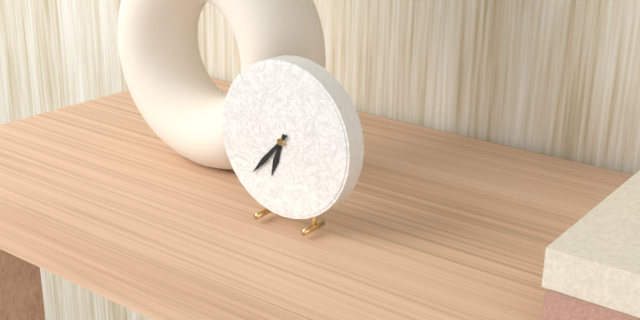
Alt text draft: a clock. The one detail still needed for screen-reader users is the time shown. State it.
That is 6:37
